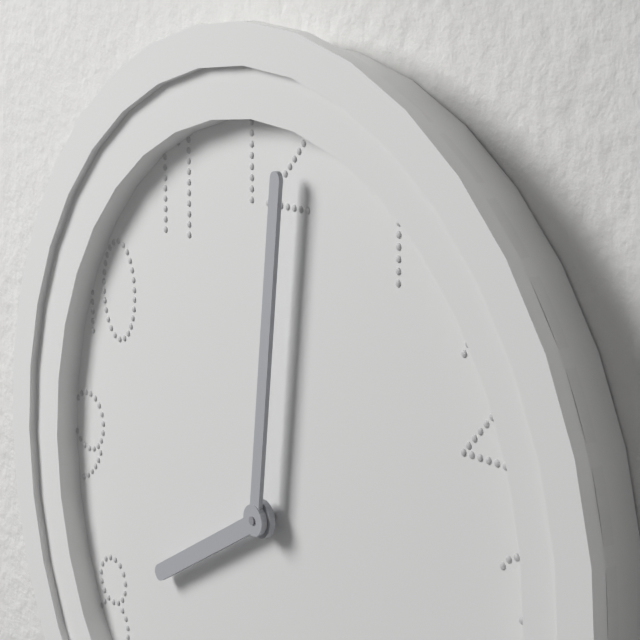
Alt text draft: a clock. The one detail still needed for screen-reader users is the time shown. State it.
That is 8:01
